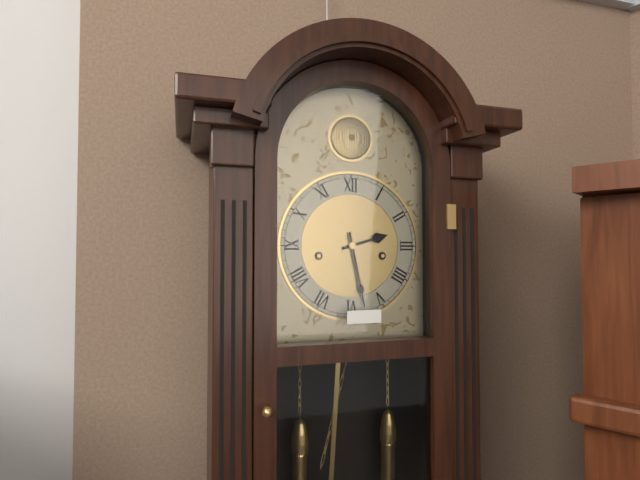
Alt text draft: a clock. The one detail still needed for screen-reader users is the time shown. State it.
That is 2:28
